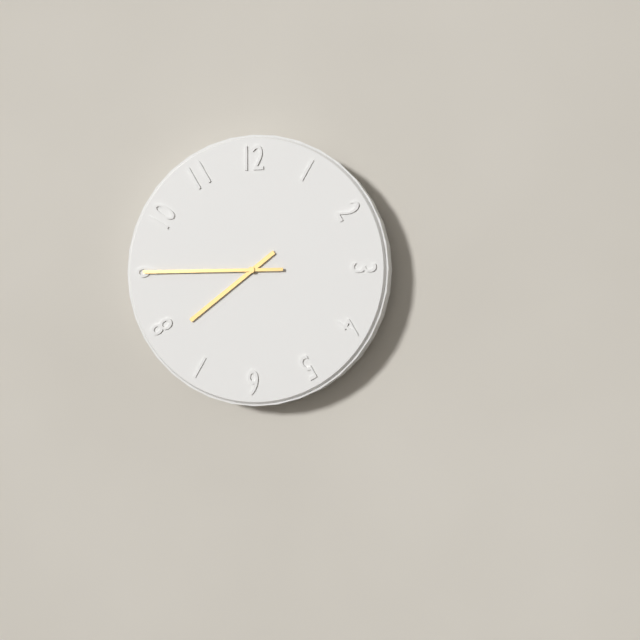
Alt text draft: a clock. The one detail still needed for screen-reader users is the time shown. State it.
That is 7:45
